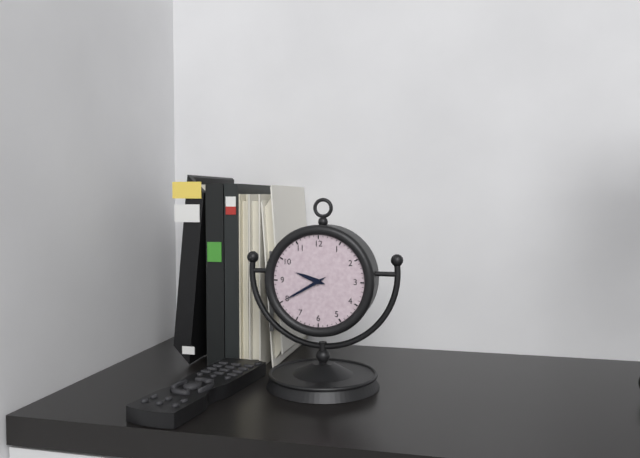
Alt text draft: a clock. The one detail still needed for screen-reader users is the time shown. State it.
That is 9:40
